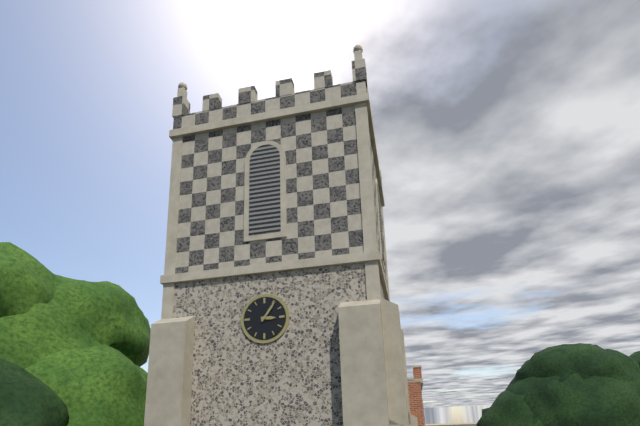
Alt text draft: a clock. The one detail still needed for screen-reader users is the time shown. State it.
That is 3:06
